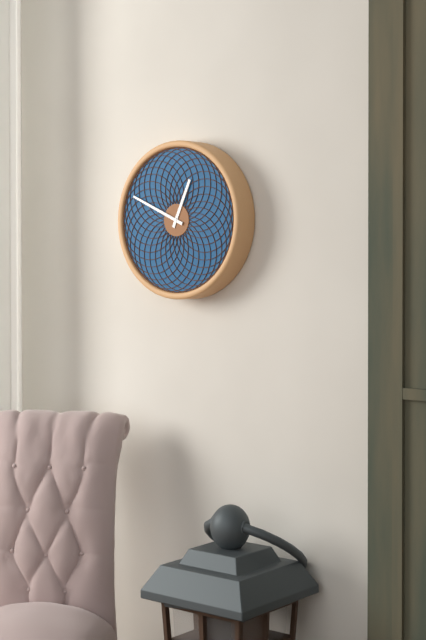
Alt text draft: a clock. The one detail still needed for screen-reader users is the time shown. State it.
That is 12:49
